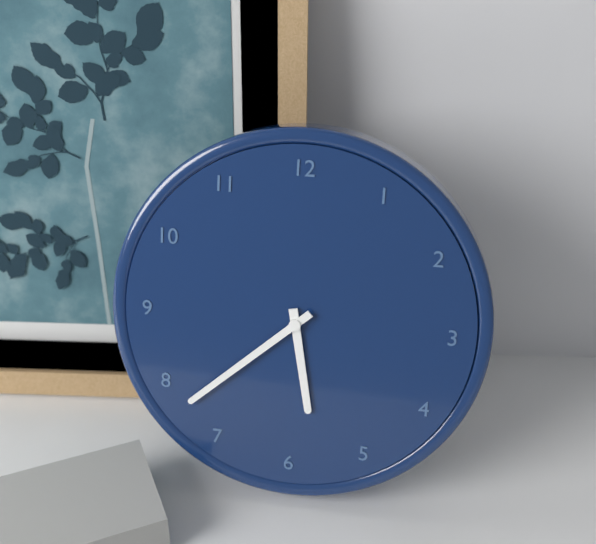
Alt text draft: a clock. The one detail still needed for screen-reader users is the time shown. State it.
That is 5:38
